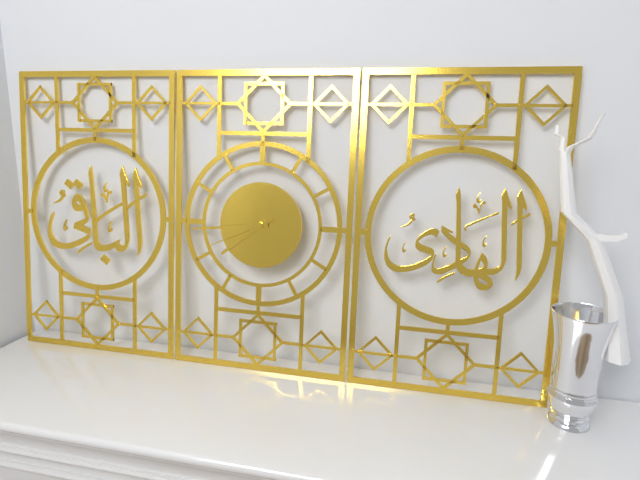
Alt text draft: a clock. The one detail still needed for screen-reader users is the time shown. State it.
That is 7:44:41
